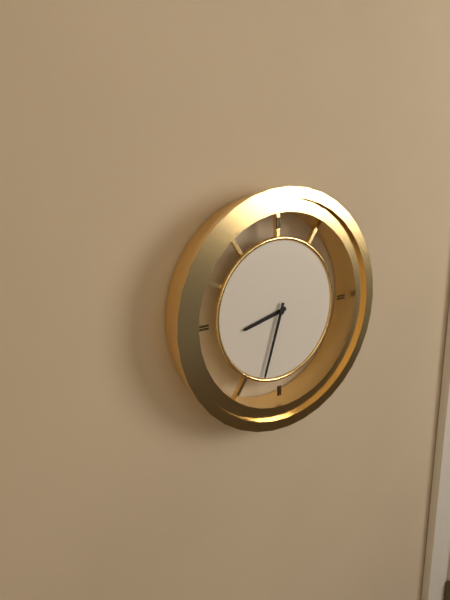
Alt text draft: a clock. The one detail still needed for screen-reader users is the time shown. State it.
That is 8:33
